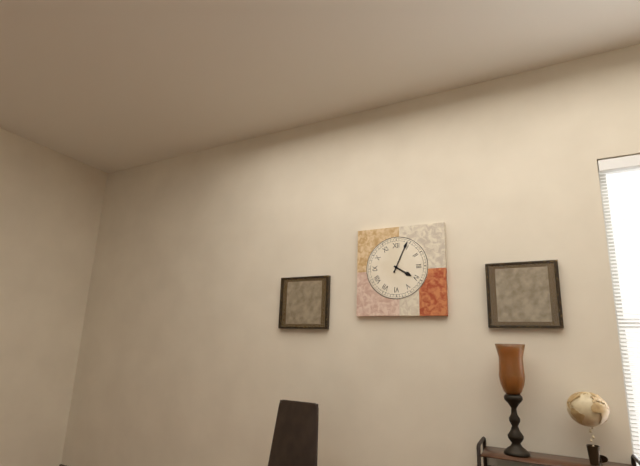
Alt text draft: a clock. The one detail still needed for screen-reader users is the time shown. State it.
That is 4:04
